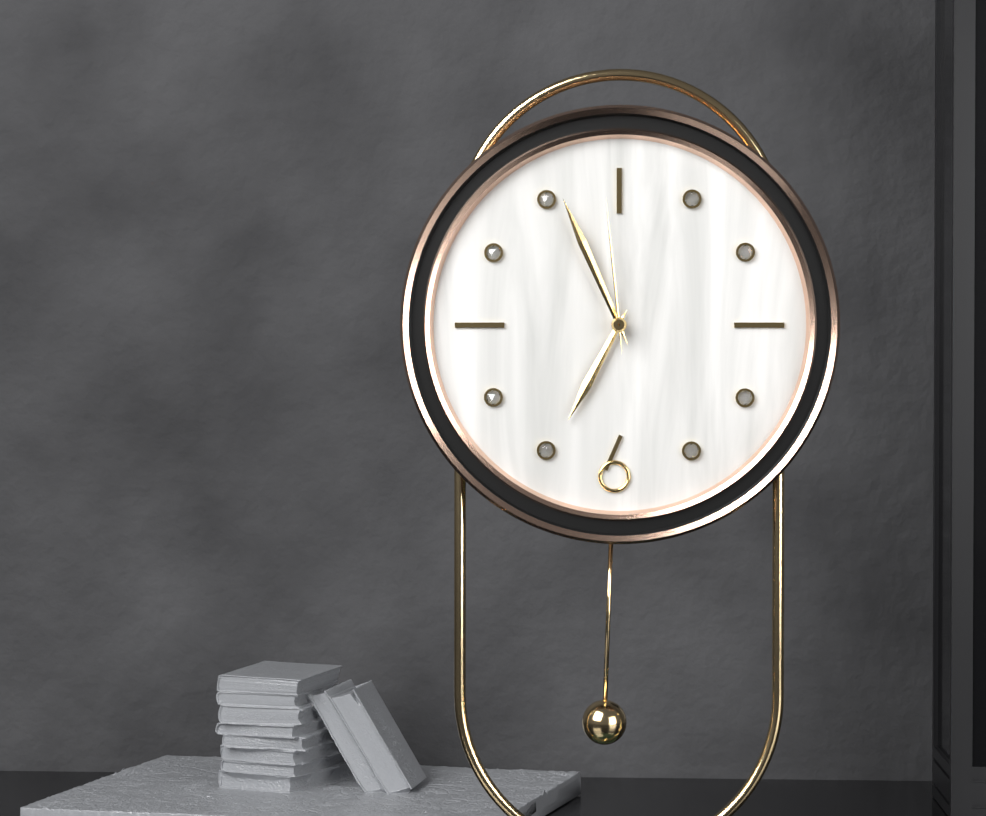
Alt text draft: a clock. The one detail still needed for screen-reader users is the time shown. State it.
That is 6:56:59
